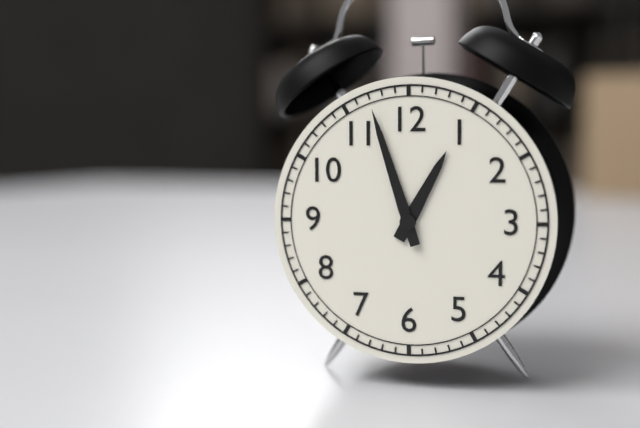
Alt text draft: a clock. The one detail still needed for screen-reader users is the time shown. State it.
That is 12:57
